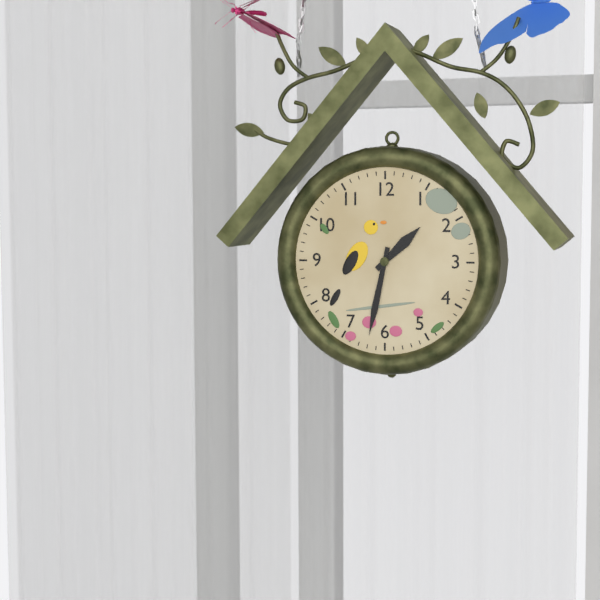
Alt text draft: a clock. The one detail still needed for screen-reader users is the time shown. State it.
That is 1:32
